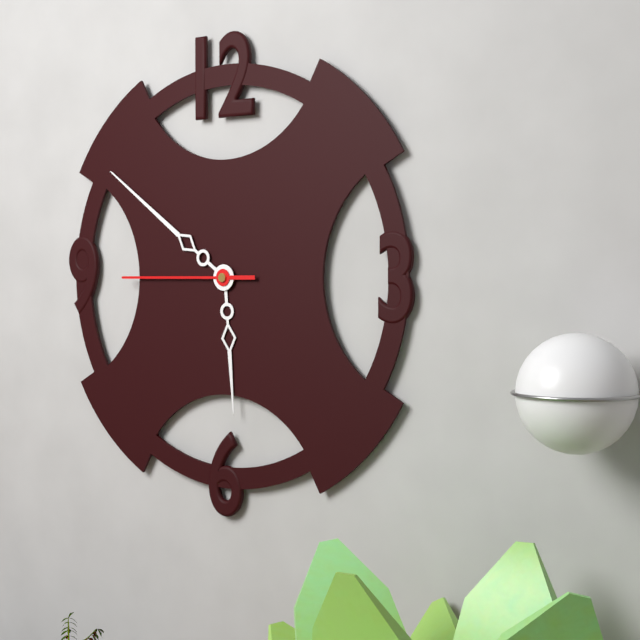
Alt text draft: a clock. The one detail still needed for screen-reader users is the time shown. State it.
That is 5:51:45
